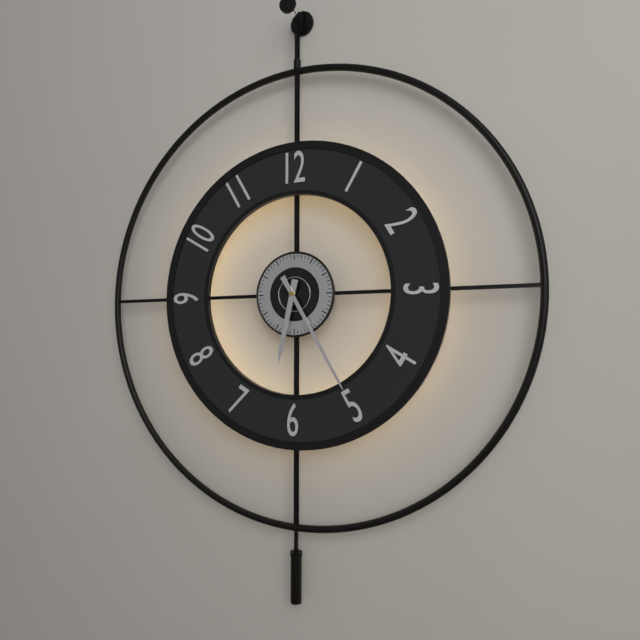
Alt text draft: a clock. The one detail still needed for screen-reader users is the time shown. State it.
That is 6:25
